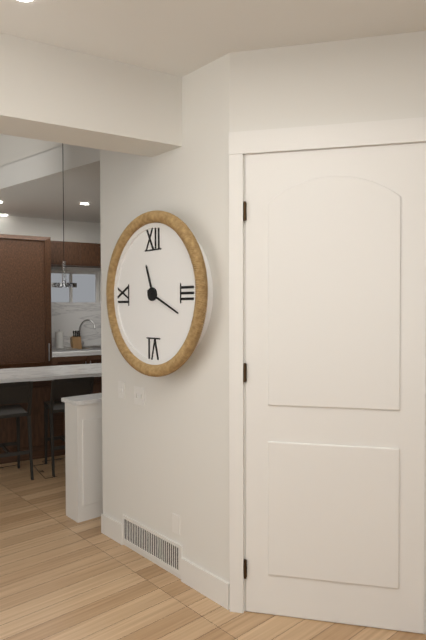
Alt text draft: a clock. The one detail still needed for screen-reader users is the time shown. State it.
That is 11:19
